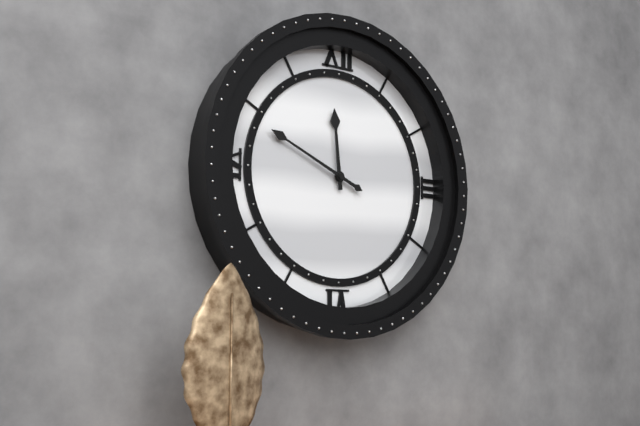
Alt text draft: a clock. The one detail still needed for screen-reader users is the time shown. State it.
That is 11:49
